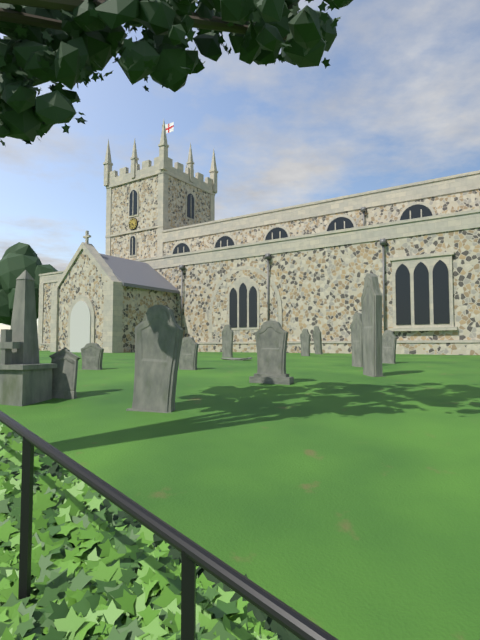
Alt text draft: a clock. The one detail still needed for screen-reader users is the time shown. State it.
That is 4:41
